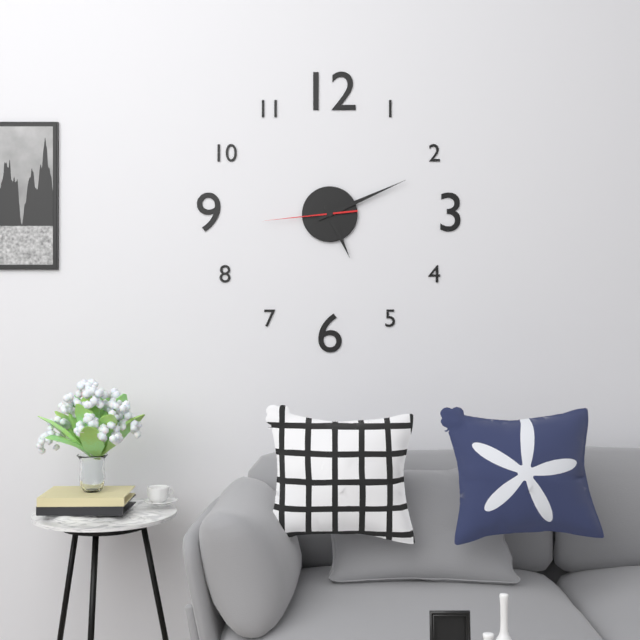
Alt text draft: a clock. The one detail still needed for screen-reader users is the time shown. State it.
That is 5:11:44
